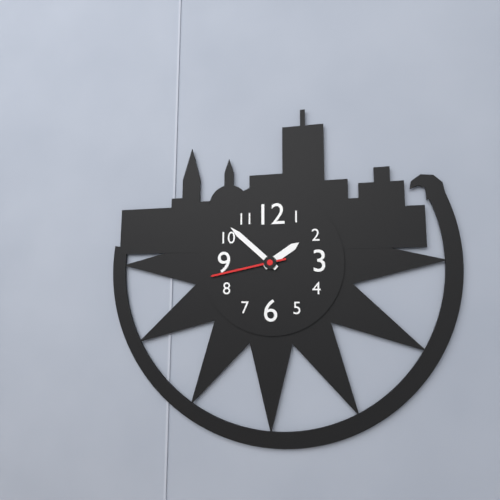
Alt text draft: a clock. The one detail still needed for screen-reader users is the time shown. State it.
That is 1:52:43
